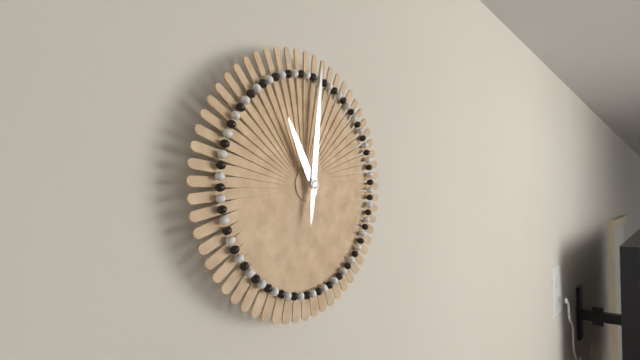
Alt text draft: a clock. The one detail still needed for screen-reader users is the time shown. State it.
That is 11:01
